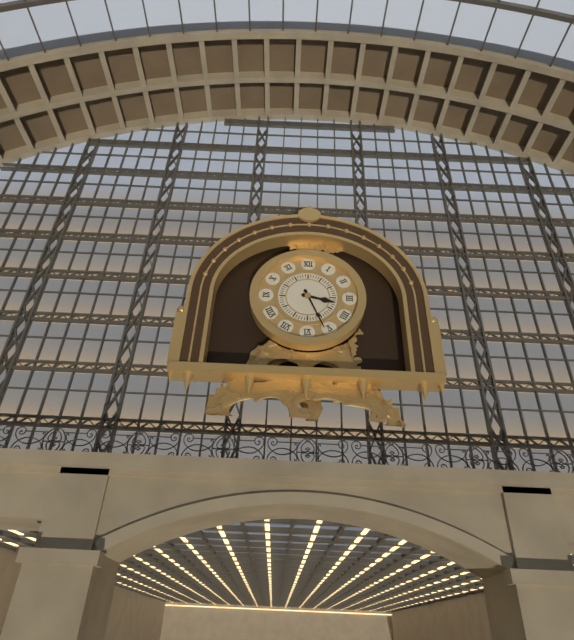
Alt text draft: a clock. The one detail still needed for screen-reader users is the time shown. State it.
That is 3:26
